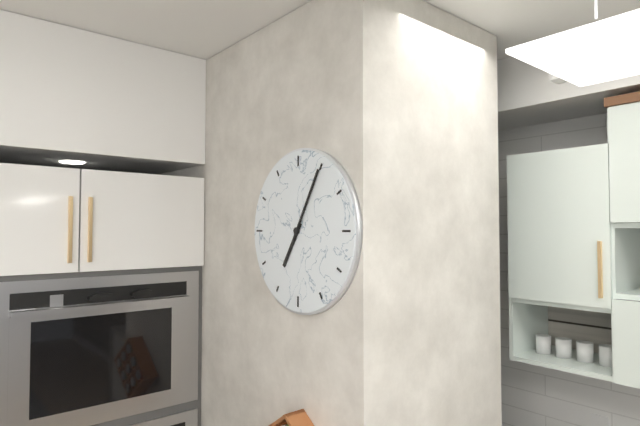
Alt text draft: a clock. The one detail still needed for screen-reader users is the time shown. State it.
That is 7:05
